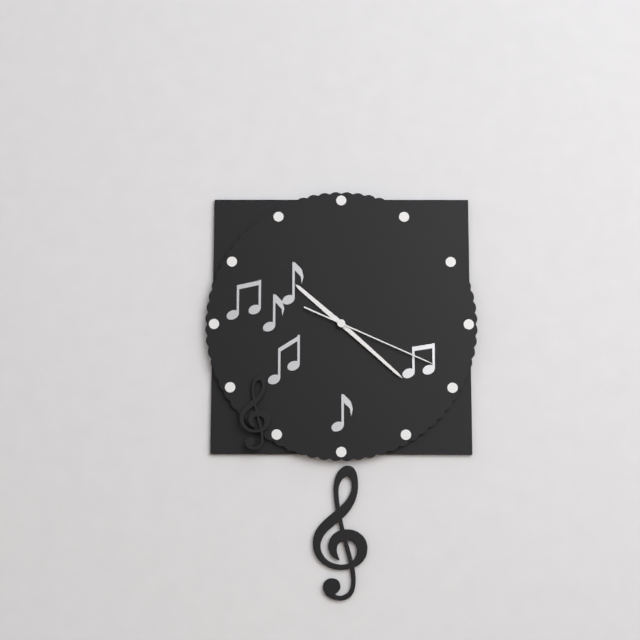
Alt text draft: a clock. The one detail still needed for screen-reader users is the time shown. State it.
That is 10:22:19
